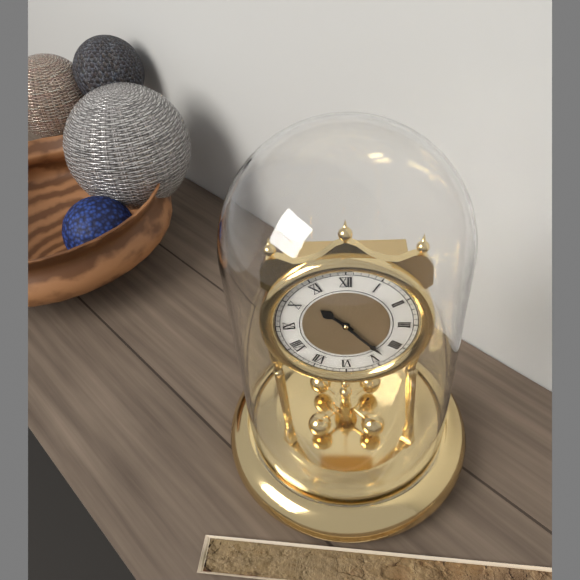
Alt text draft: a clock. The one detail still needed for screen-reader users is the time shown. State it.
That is 10:23
